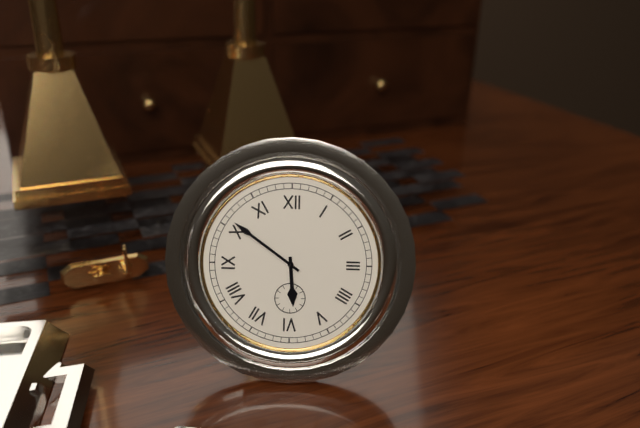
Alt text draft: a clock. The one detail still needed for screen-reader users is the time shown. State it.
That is 5:51
